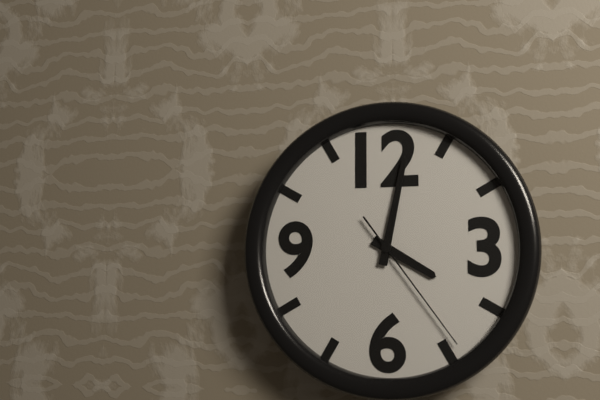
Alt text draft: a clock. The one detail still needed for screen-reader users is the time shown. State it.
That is 4:02:24
